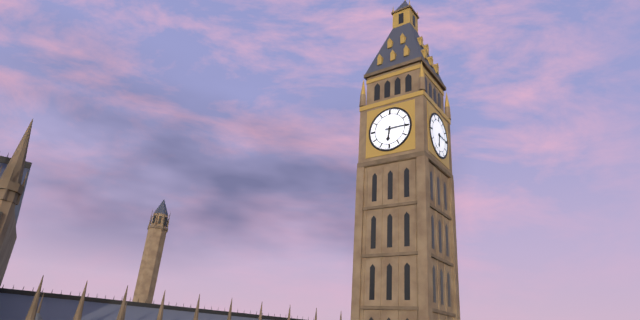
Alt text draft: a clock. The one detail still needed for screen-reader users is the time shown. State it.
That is 6:15
